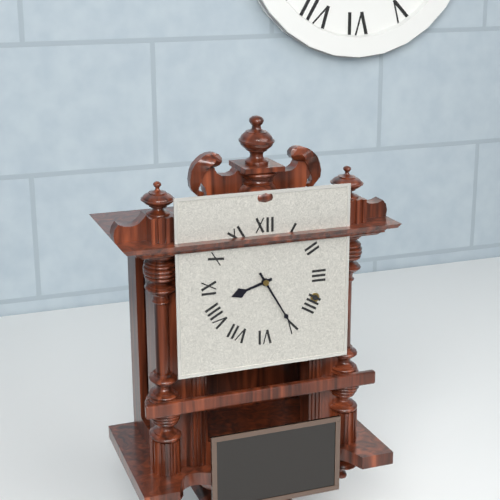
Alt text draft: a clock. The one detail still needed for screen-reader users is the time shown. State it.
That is 8:25
